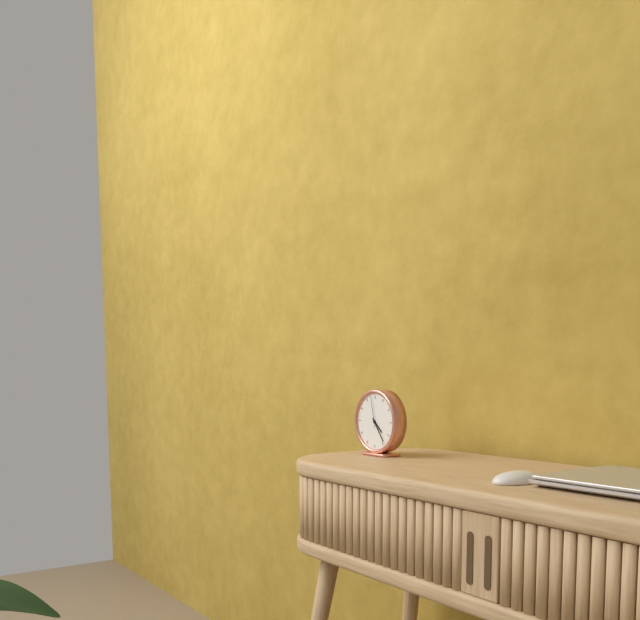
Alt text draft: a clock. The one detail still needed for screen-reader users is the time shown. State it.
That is 4:24
